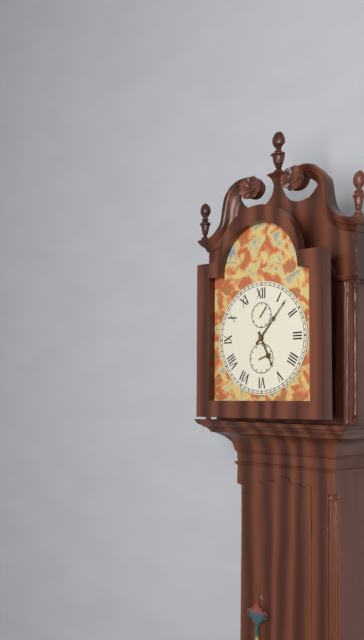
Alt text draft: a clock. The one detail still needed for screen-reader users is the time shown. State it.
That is 5:07
